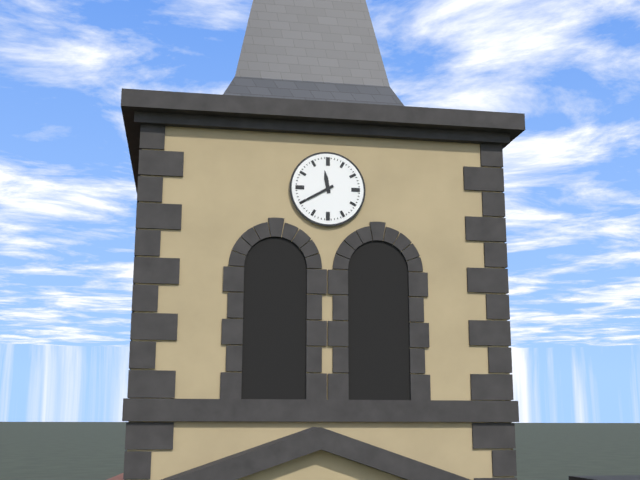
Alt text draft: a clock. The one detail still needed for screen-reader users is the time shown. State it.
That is 11:40
